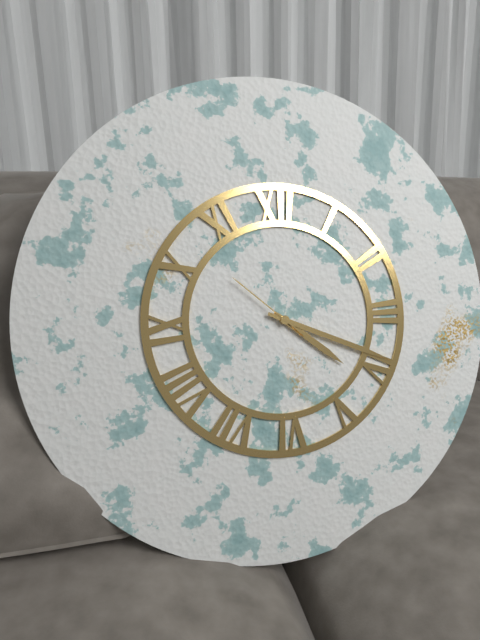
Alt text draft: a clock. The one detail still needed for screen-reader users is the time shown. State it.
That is 4:19:52
